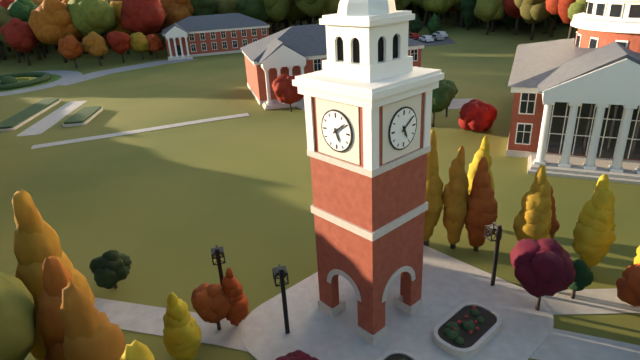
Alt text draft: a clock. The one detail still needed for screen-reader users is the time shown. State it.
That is 5:09
